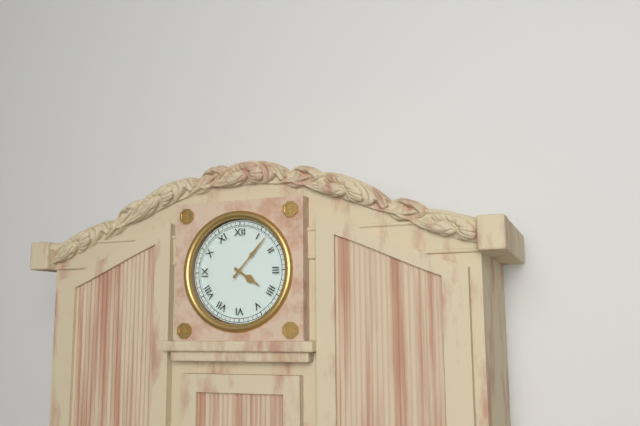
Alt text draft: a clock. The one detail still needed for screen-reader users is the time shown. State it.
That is 4:07
